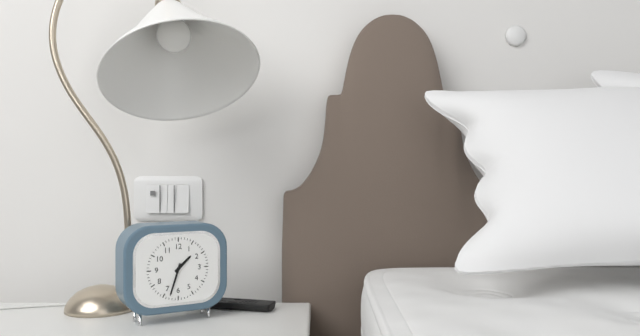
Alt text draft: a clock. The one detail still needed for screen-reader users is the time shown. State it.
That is 1:33
